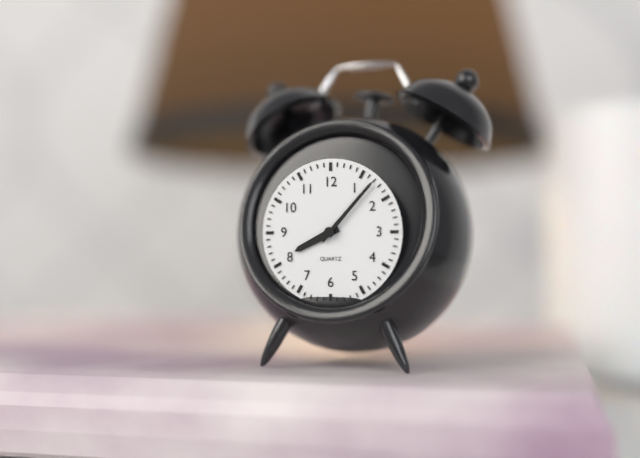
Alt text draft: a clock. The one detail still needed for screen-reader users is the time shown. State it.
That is 8:07
